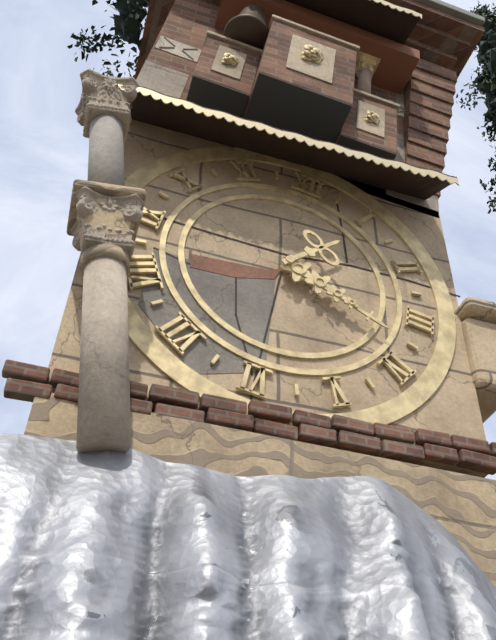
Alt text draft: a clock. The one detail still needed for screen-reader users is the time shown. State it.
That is 1:18
